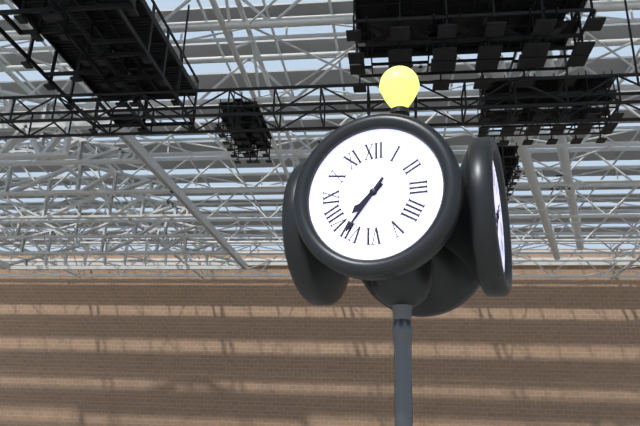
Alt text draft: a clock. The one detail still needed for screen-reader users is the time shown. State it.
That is 7:36
